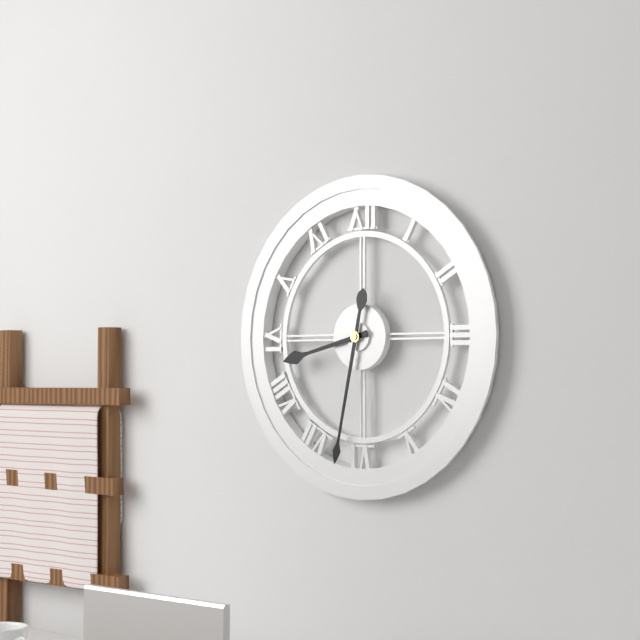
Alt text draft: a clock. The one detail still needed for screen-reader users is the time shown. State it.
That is 8:32
